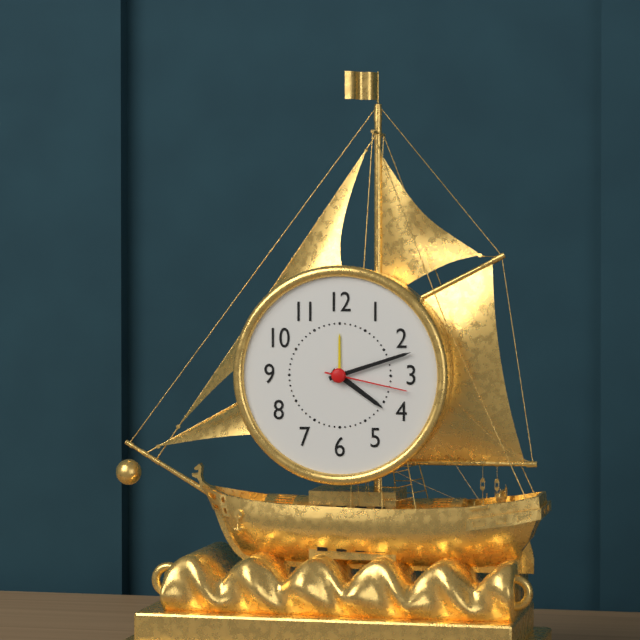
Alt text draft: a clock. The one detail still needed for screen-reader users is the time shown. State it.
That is 4:12:17
